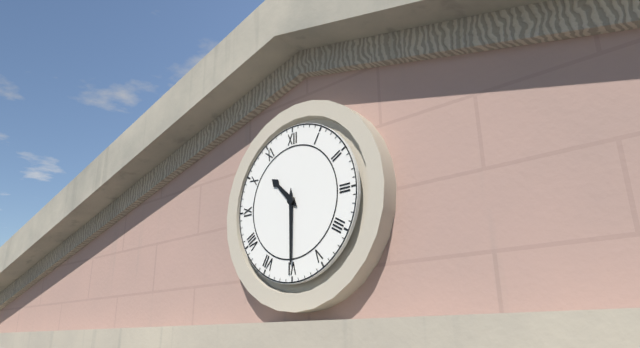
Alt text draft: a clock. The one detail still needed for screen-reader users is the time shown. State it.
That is 10:30
